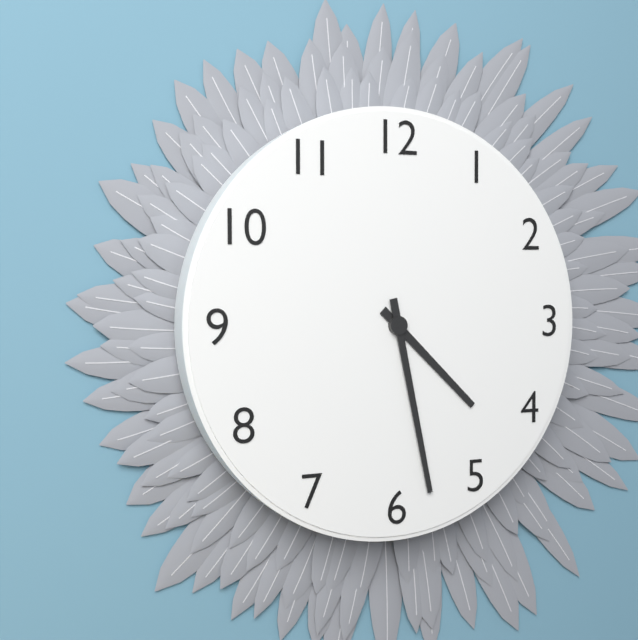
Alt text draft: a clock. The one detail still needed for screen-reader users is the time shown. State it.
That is 4:28
